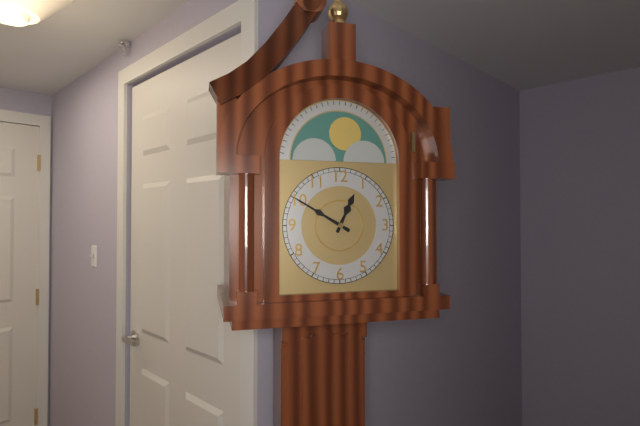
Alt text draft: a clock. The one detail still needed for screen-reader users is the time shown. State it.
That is 12:50
